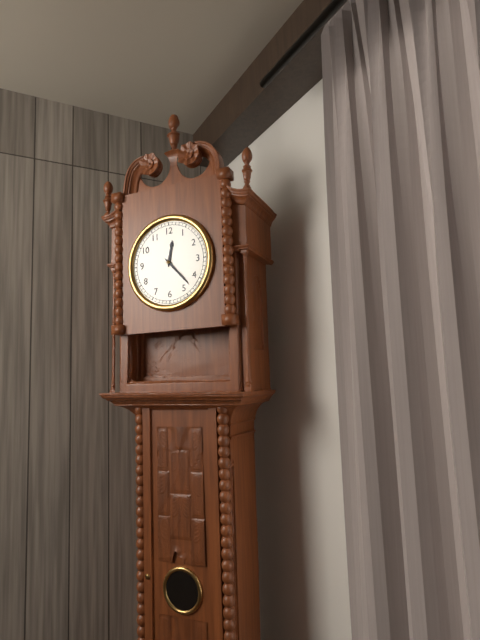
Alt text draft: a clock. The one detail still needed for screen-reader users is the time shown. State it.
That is 12:23
